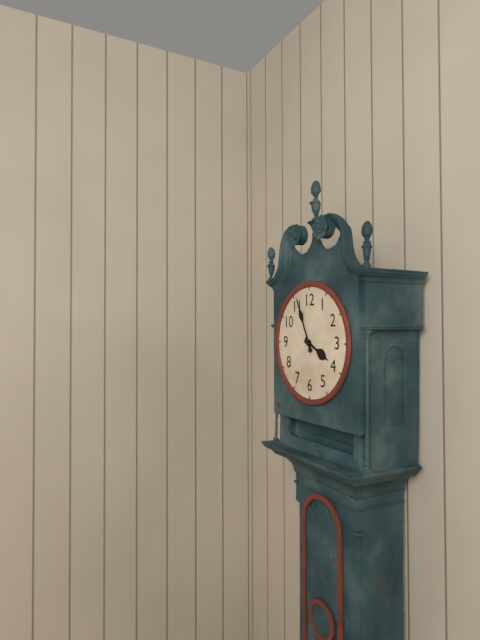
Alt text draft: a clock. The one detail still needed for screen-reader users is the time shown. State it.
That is 3:56
